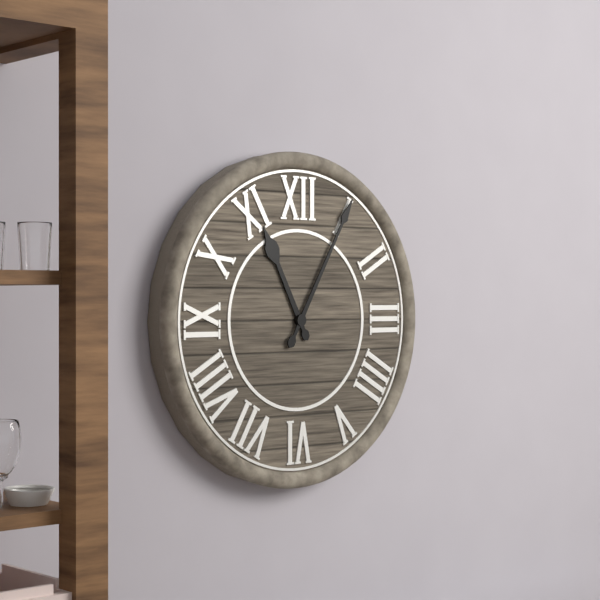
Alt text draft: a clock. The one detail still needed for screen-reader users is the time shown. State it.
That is 11:05
